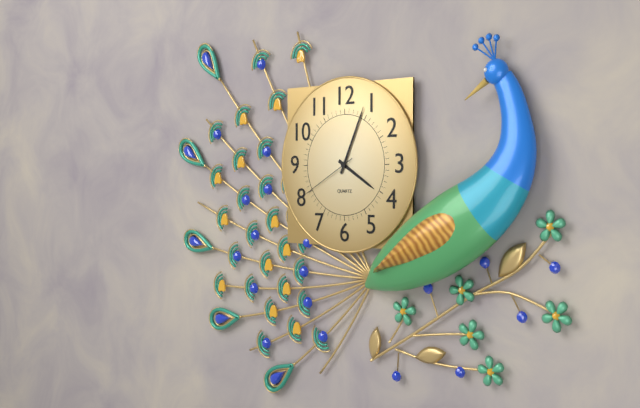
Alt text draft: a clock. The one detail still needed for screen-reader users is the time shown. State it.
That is 4:04:40
